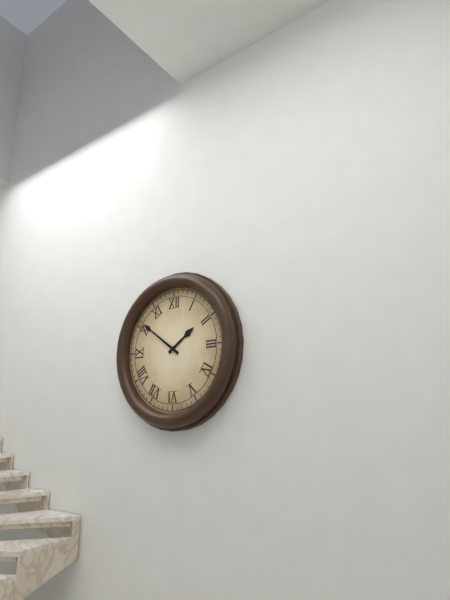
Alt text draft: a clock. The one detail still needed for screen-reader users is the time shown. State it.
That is 1:51
